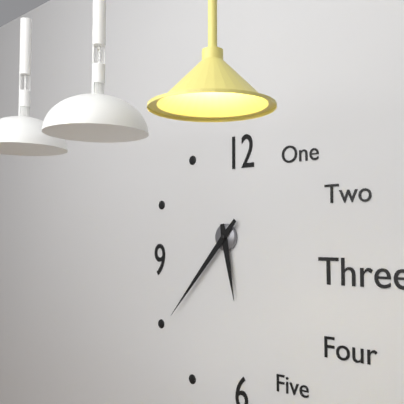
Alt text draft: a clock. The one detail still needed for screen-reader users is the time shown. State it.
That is 5:37
